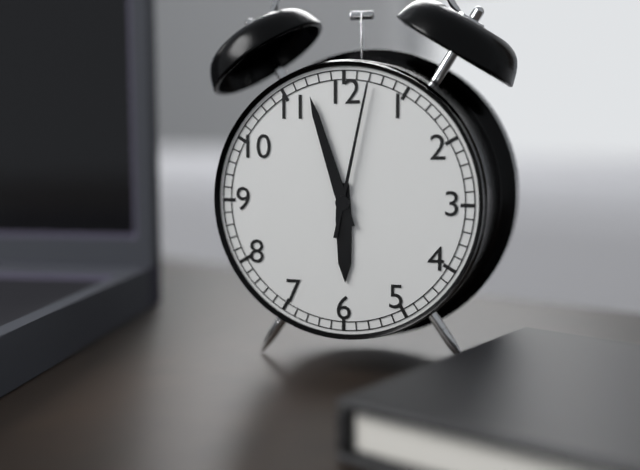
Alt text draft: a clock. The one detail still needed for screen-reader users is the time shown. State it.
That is 5:57:02
